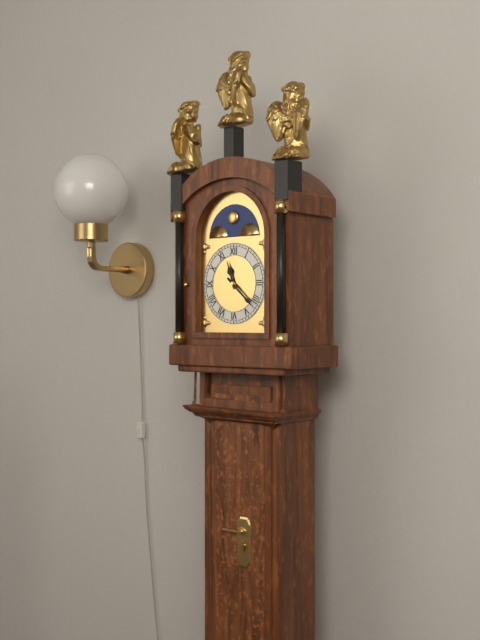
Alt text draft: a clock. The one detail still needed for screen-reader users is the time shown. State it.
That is 11:22
